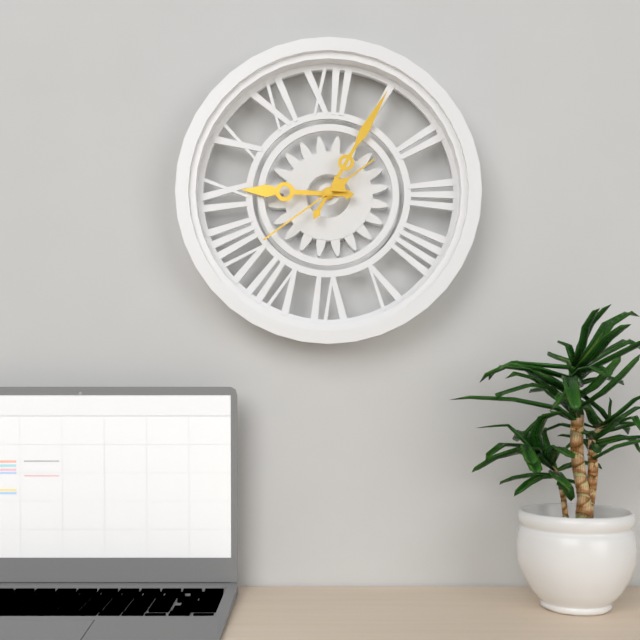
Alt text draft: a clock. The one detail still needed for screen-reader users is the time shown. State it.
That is 9:05:39
